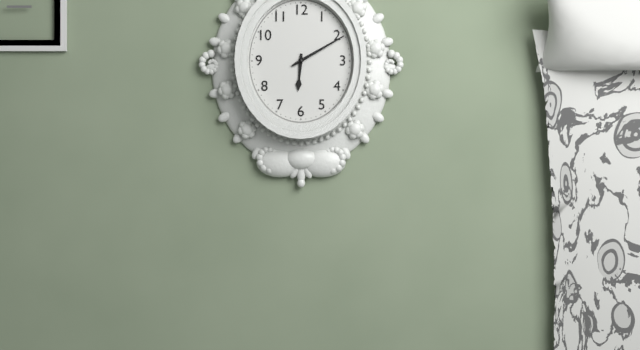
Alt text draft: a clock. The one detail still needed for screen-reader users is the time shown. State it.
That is 6:10
